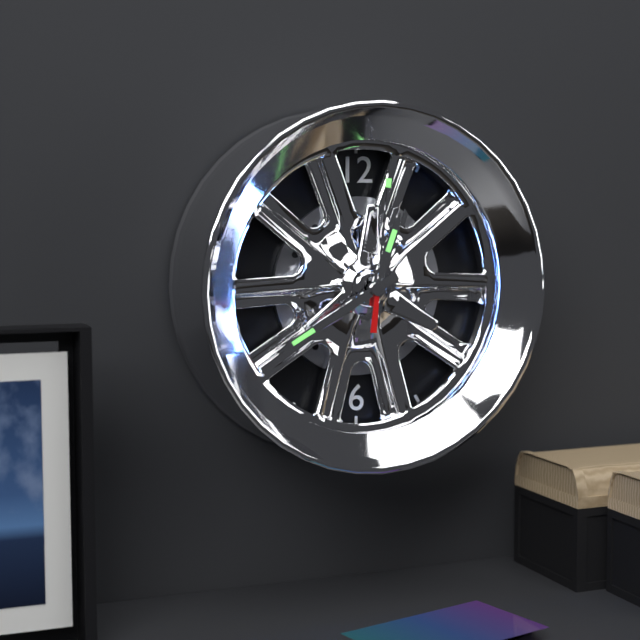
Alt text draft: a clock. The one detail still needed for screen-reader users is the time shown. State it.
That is 12:40:01
